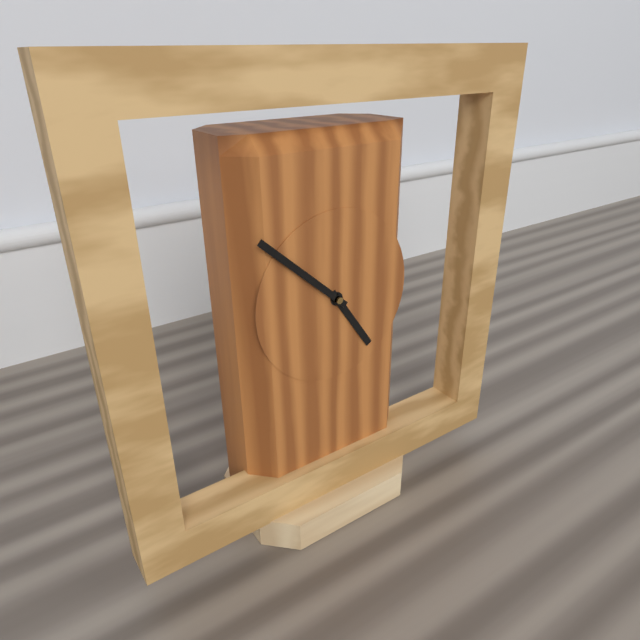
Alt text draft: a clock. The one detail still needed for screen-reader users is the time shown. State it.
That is 4:52
